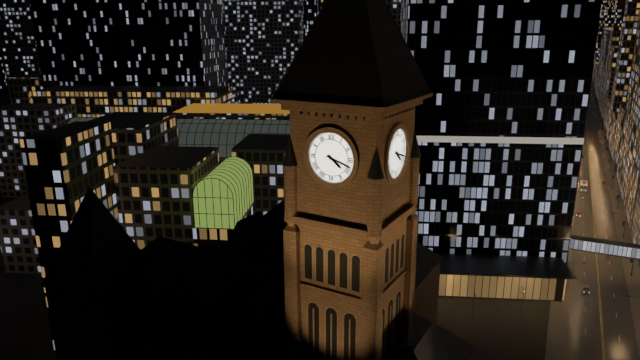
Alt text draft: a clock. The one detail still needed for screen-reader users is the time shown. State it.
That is 4:18
